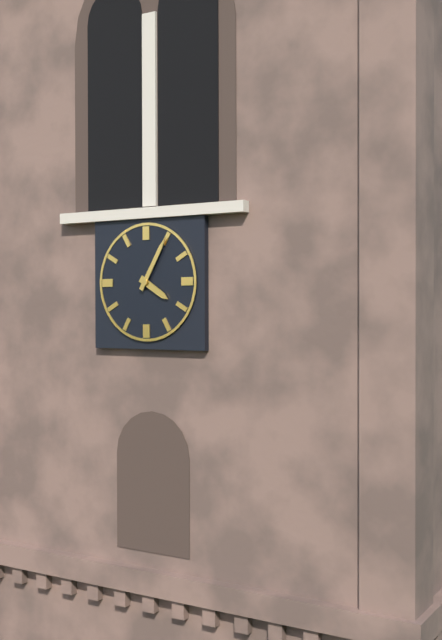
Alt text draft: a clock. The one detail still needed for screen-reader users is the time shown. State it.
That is 4:05
